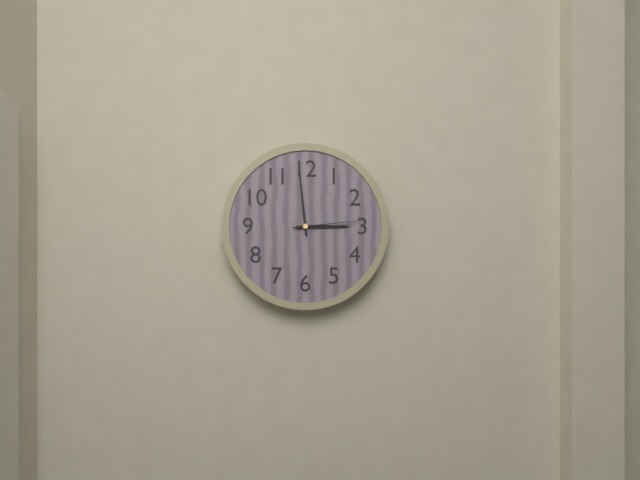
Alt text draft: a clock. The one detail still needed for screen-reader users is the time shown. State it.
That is 2:59:14
